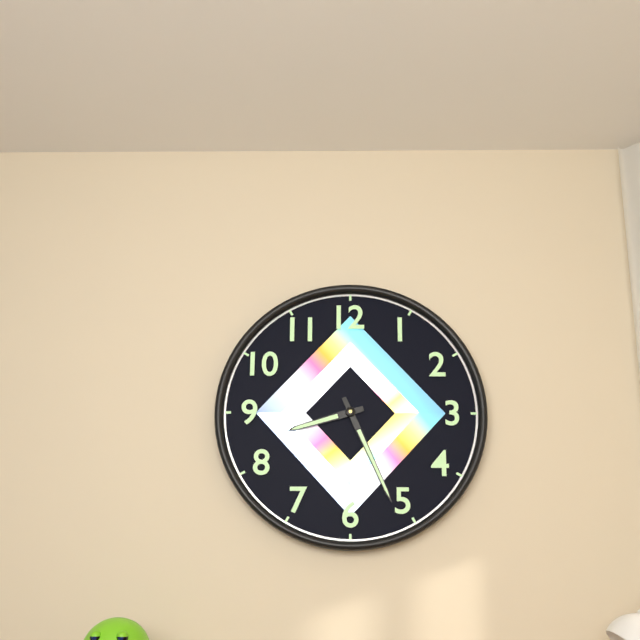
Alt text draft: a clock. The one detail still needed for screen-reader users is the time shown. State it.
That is 8:26
